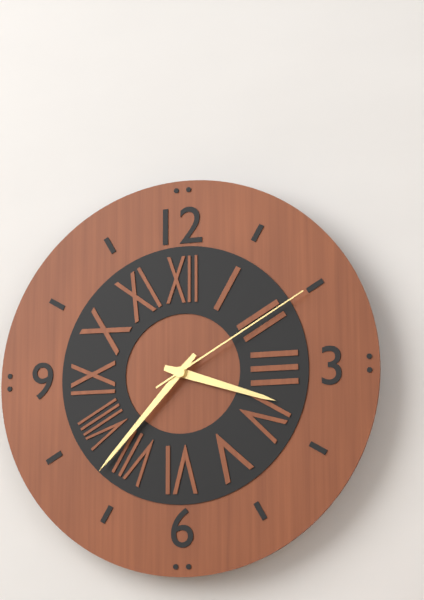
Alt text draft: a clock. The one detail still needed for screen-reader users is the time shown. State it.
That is 3:37:10
